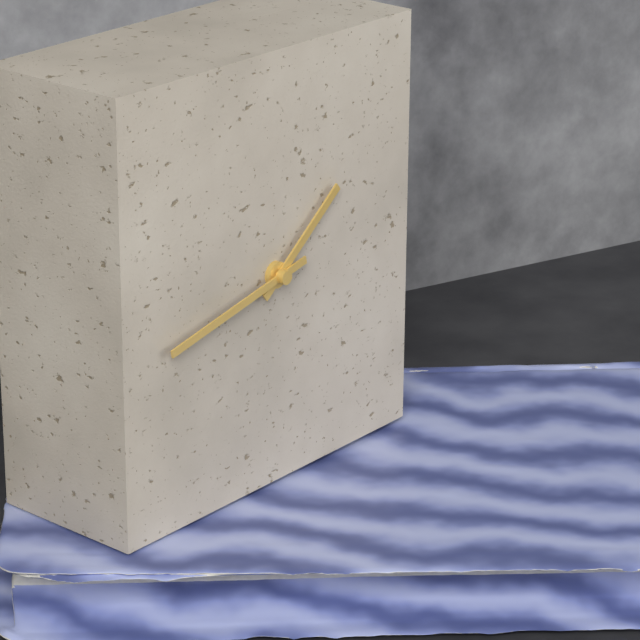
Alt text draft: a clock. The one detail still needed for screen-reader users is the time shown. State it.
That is 1:43
